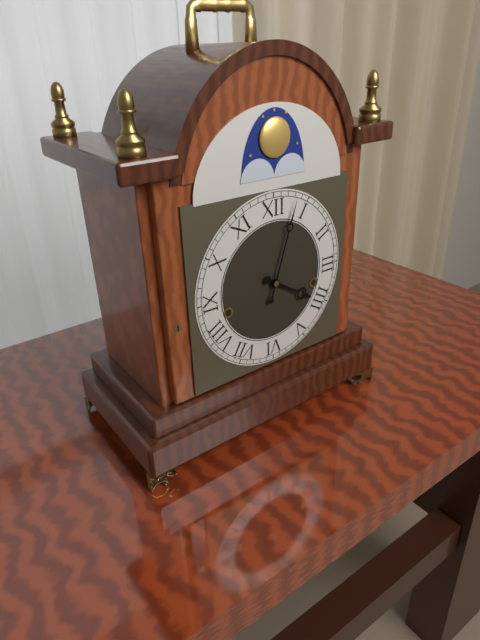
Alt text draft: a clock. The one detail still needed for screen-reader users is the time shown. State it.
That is 4:03
